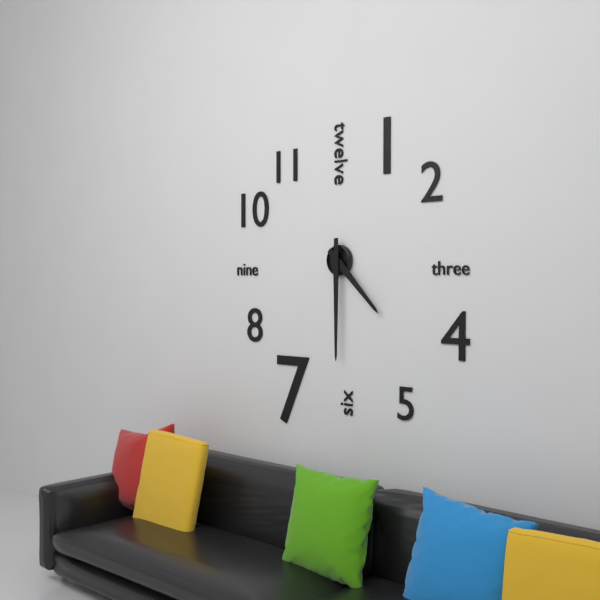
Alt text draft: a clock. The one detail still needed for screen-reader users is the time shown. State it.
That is 4:30
